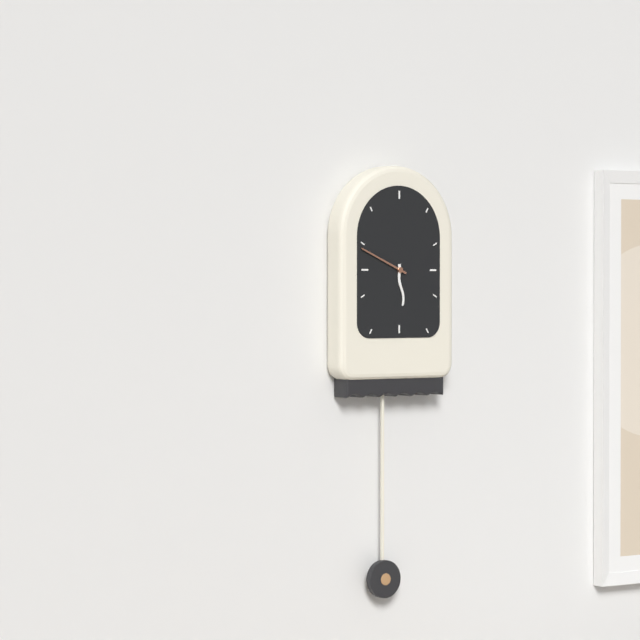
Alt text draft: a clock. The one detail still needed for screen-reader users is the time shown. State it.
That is 5:49
